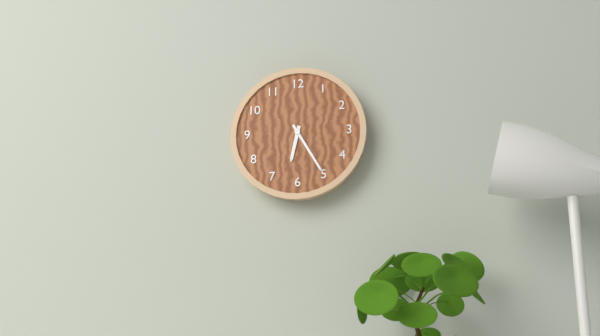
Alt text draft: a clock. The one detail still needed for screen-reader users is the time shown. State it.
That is 6:25
